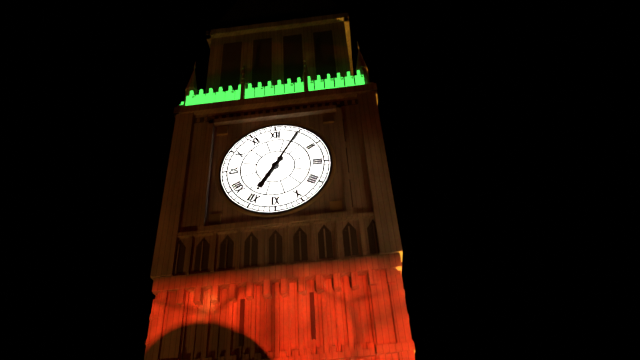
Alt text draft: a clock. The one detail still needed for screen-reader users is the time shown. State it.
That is 7:05
